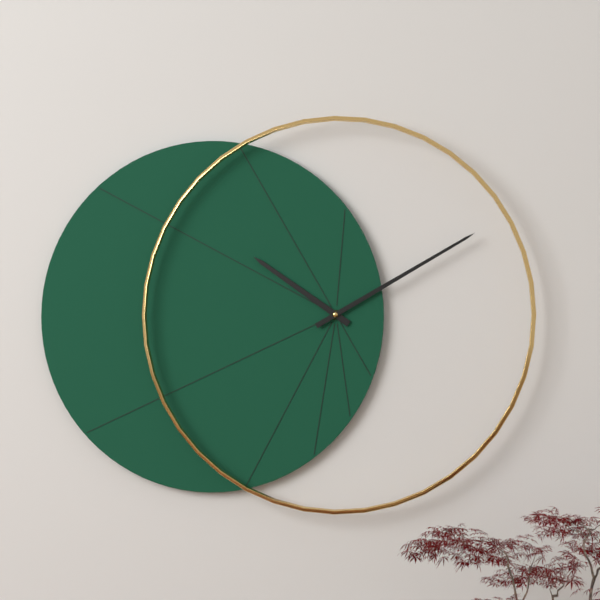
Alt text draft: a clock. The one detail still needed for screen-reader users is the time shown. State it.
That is 10:10
